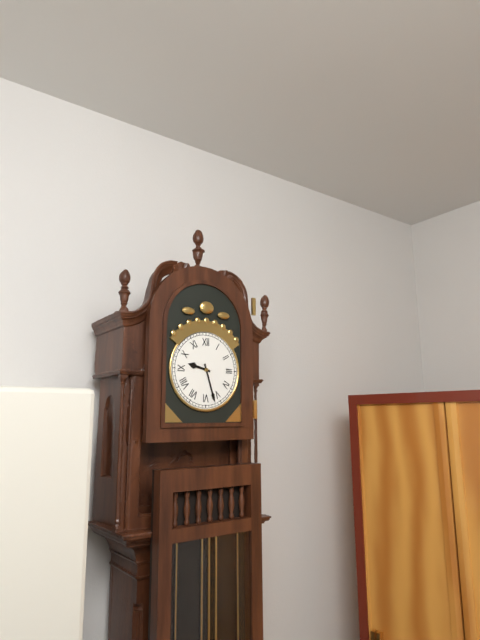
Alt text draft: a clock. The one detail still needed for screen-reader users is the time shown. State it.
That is 9:27
